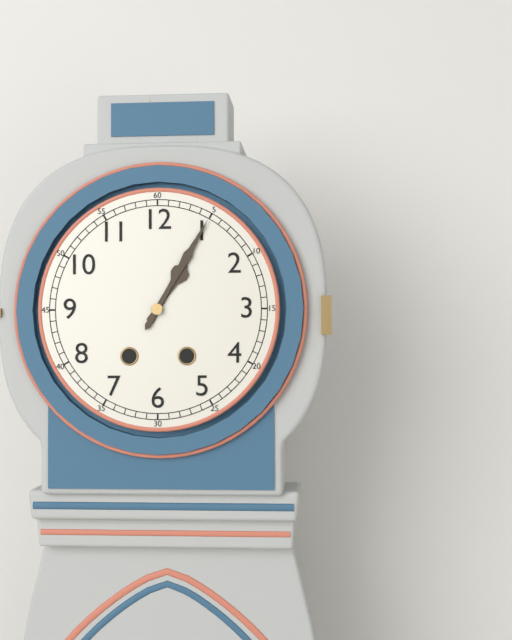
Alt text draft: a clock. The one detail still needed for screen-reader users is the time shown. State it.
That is 1:05
